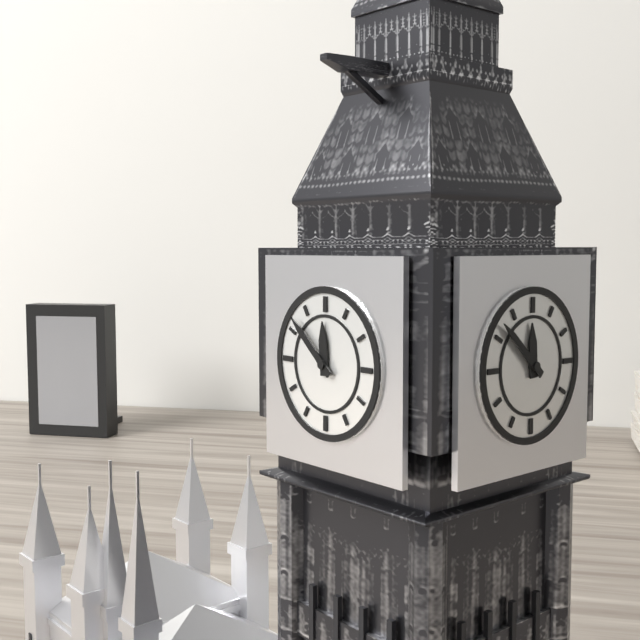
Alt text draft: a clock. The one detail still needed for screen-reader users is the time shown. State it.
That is 11:52
